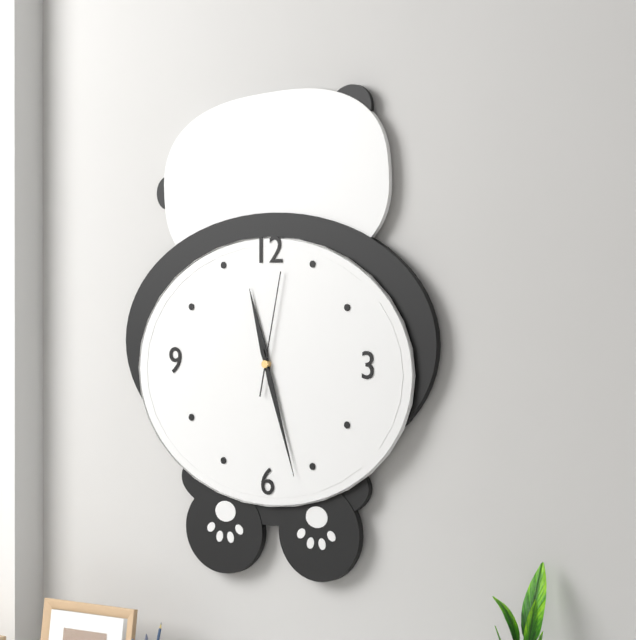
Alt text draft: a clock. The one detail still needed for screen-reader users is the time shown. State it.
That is 11:27:02
